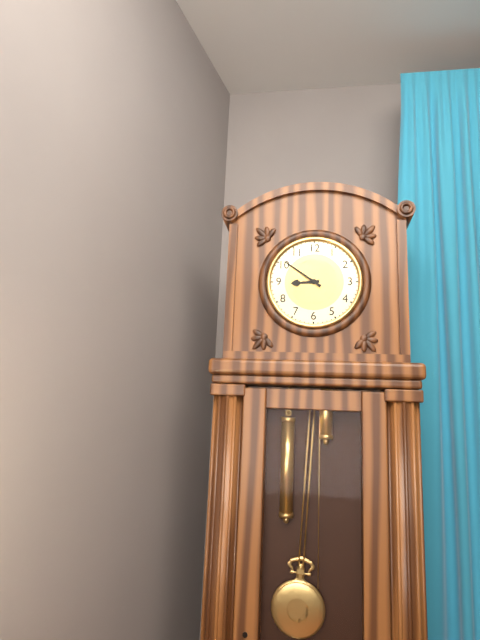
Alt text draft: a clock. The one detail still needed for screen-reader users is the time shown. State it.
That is 8:51
